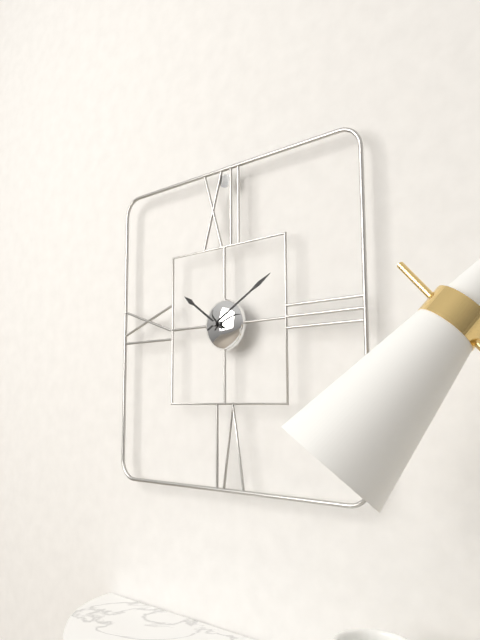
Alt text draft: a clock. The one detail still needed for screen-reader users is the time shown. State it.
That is 10:10
